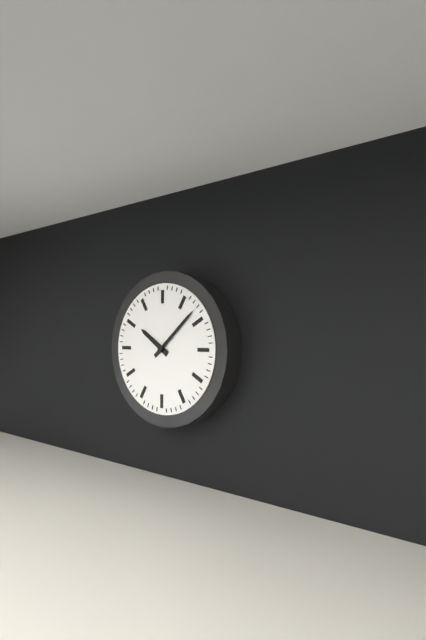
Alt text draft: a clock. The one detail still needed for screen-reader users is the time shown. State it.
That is 10:08
